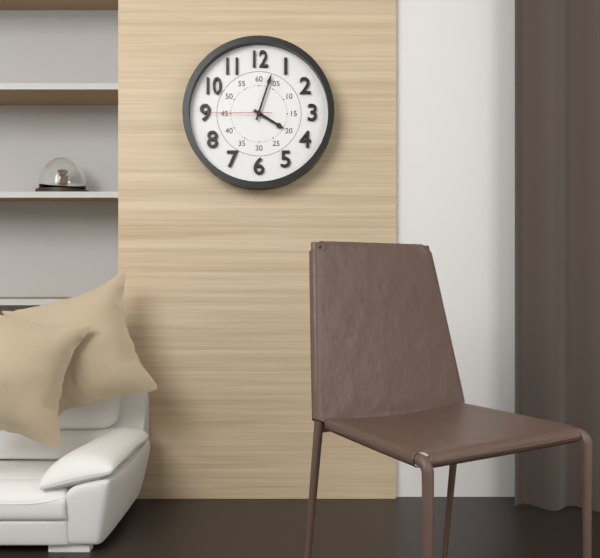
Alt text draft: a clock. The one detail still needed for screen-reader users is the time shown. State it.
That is 4:03:45
